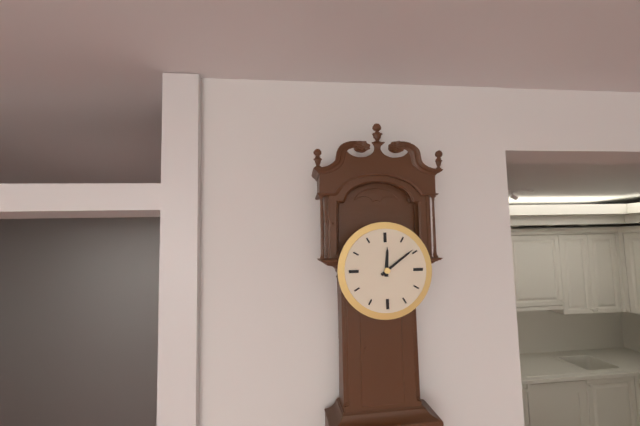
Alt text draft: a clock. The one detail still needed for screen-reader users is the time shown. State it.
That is 12:09
